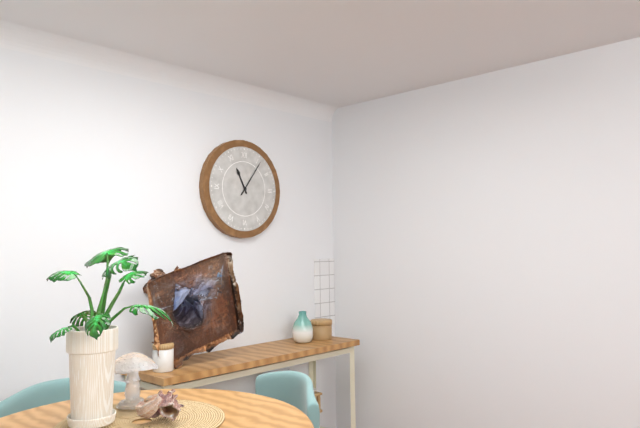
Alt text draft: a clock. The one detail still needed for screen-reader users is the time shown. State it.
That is 11:06
